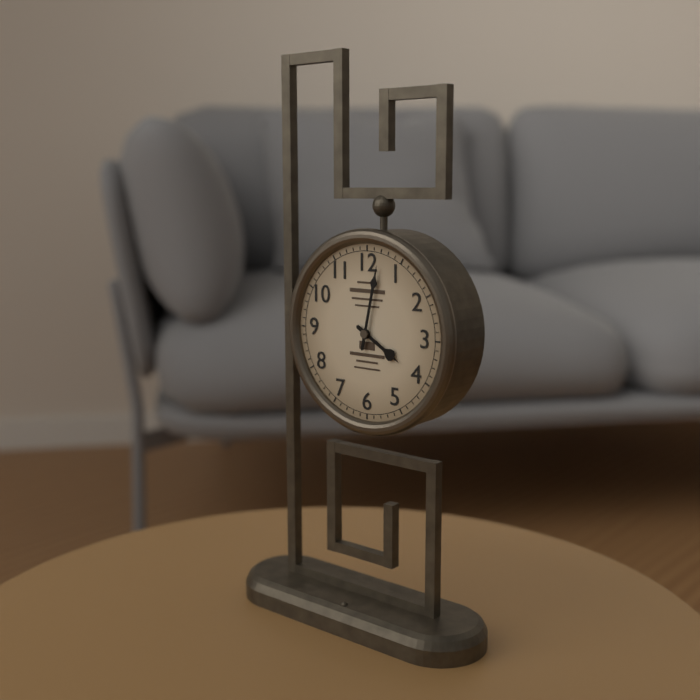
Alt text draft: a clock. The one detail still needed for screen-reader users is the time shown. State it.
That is 4:02
